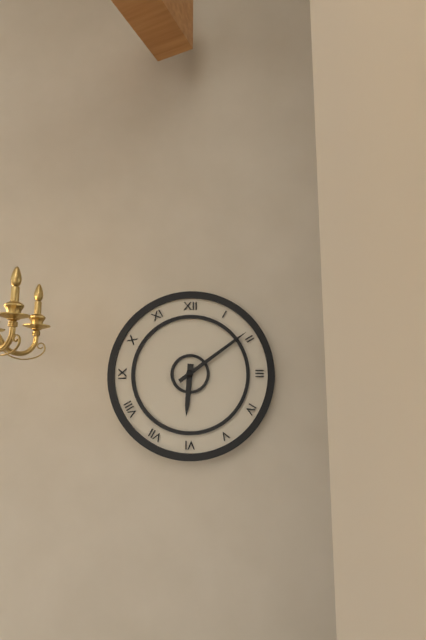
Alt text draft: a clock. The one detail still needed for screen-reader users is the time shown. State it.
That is 6:09
